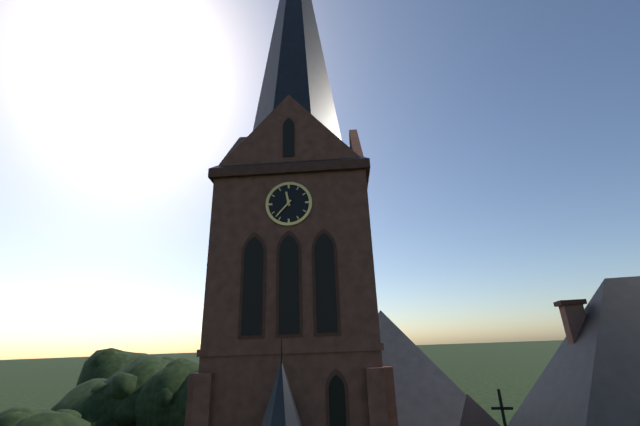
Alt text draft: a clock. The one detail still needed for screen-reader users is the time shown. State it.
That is 11:37
